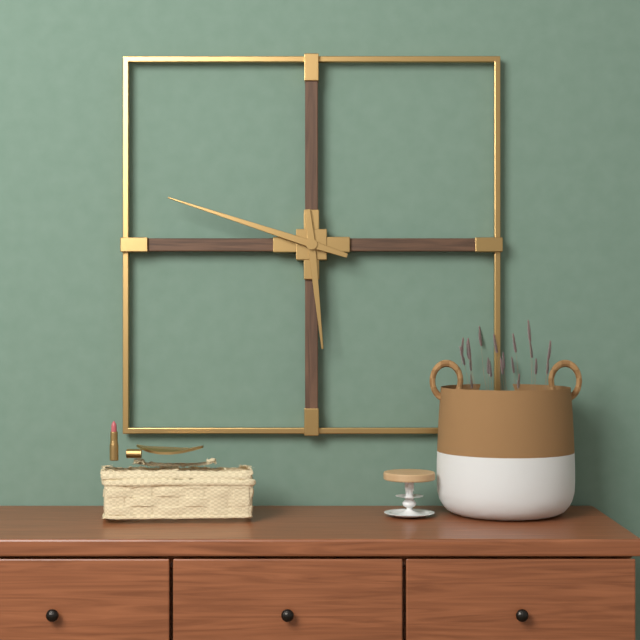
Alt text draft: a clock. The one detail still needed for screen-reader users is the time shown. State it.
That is 5:48
